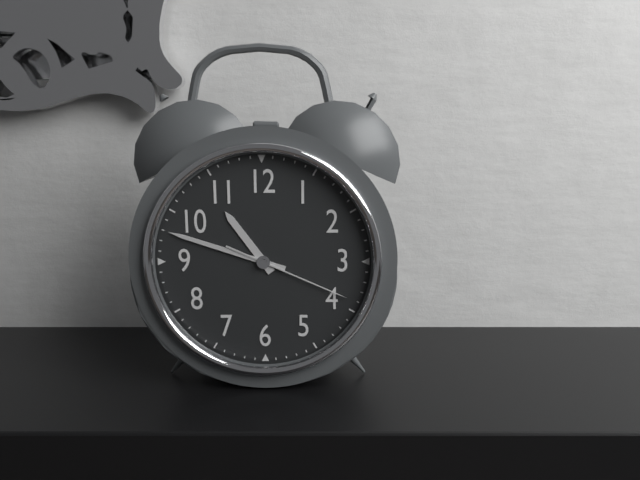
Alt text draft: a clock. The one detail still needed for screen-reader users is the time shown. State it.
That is 10:48:19
